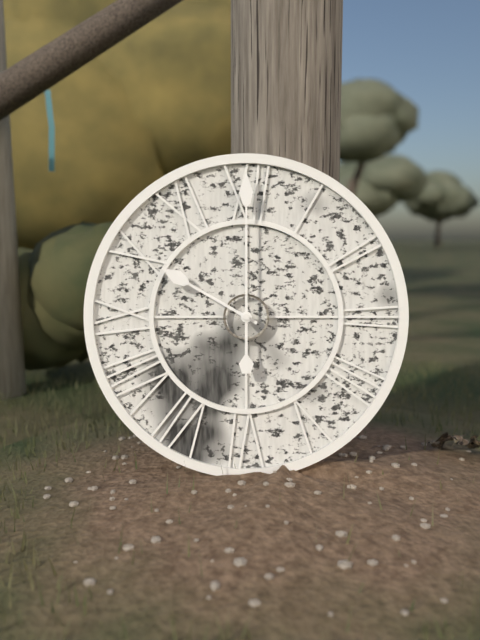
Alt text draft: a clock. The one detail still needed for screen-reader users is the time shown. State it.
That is 10:00
